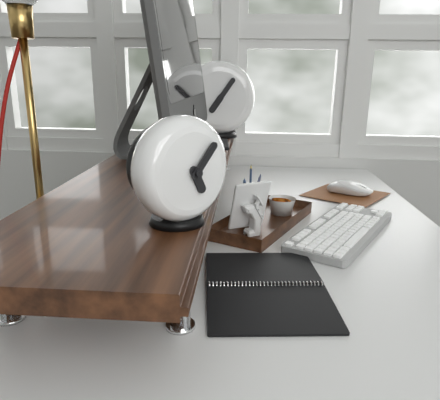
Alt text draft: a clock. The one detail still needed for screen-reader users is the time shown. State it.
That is 5:07
